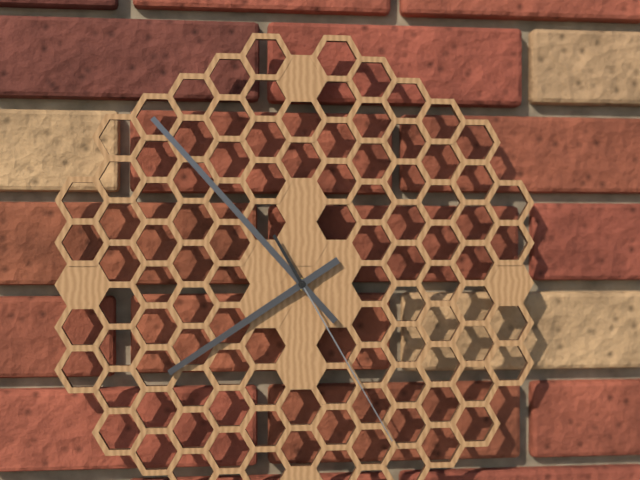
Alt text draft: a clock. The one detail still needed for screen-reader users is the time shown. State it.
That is 7:53:25
